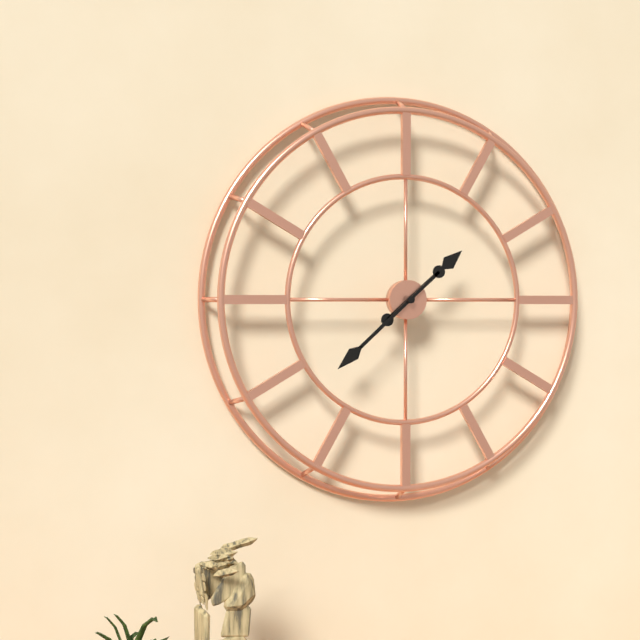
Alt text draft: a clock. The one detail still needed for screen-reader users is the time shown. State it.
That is 1:38
